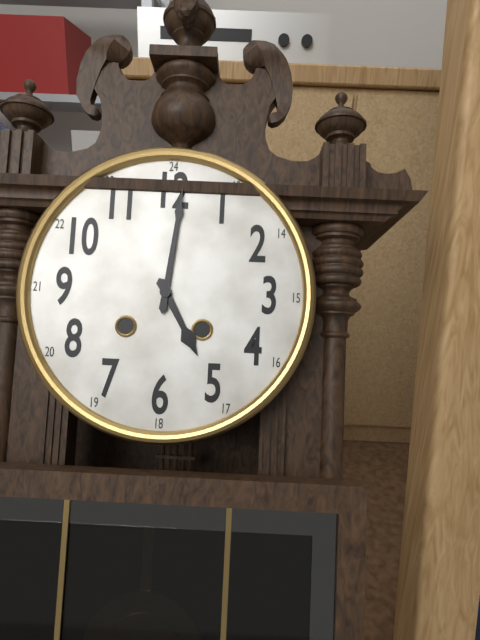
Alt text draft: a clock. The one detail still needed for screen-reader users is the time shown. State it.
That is 5:01
